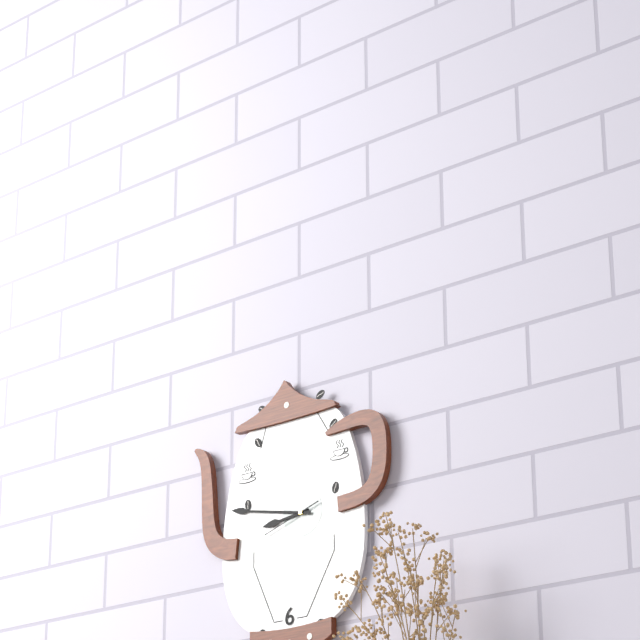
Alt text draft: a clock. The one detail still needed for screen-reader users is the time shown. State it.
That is 8:47:42
